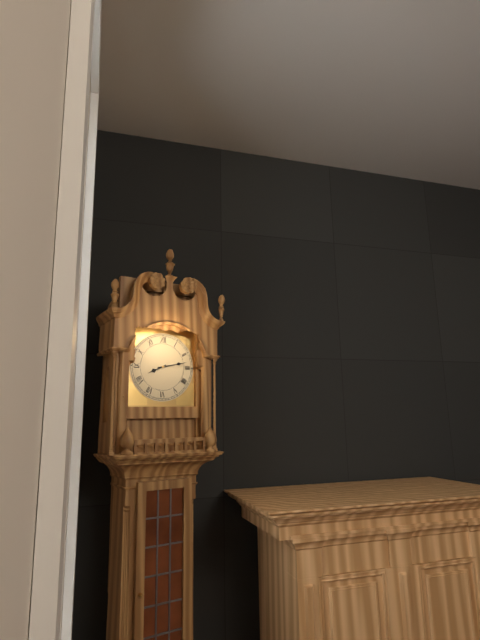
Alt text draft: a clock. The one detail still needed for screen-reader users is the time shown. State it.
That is 8:13
